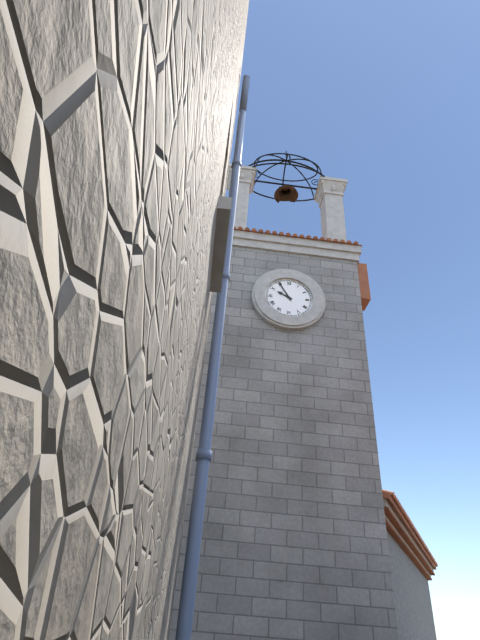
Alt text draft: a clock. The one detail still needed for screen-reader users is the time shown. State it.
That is 9:55
